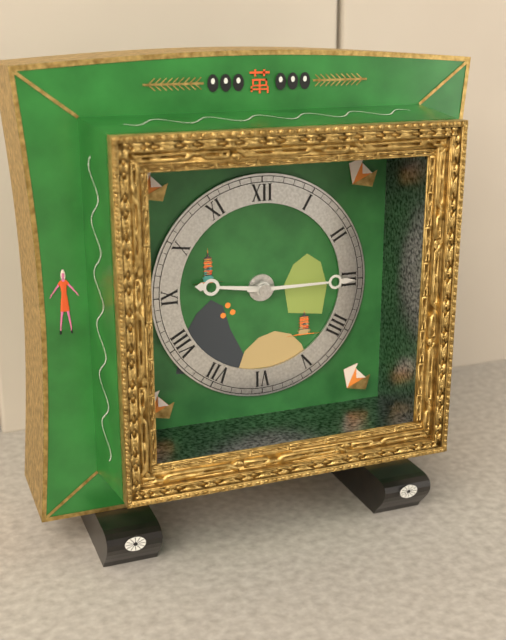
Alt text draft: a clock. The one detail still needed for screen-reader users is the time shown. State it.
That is 9:15
